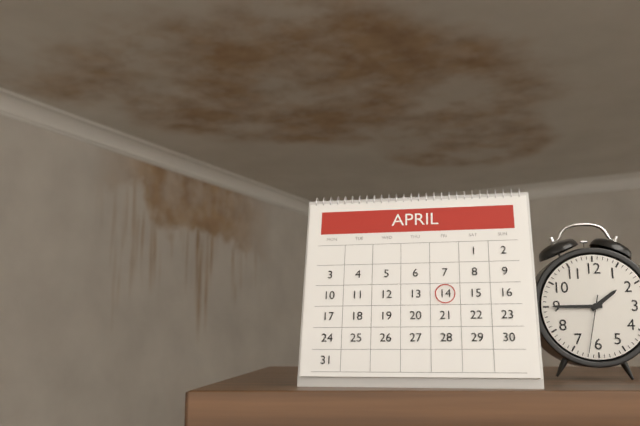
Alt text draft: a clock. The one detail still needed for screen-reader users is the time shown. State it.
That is 1:45:32
